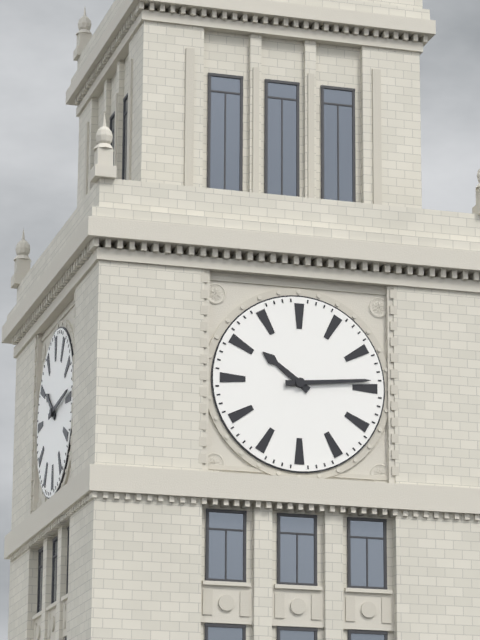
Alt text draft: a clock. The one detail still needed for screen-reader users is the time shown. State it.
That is 10:14
